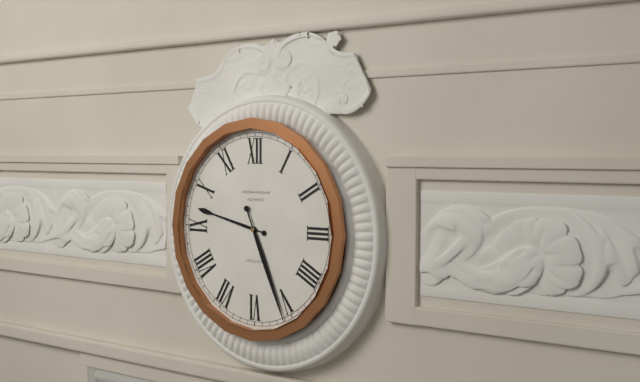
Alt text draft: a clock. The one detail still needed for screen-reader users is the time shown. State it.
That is 9:26
